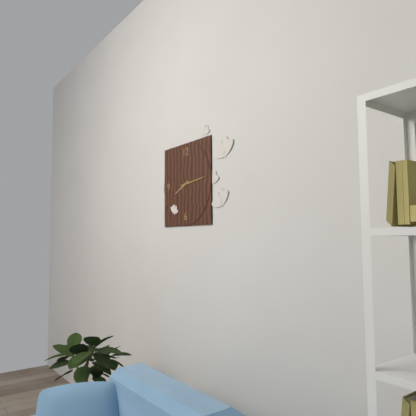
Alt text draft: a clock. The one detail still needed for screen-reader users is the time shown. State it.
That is 8:14
